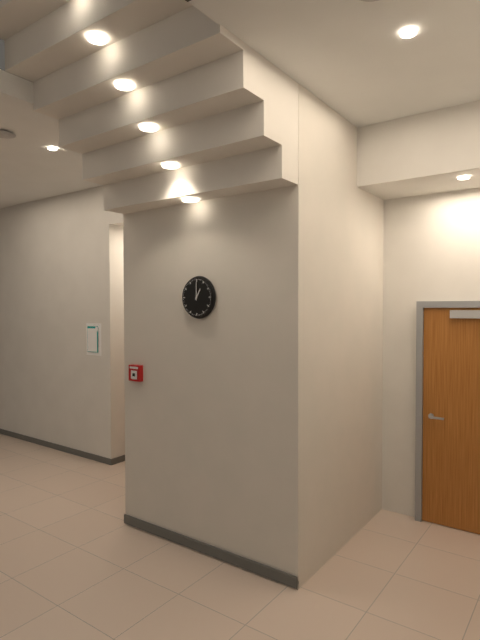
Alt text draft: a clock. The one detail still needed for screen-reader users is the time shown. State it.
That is 1:00
